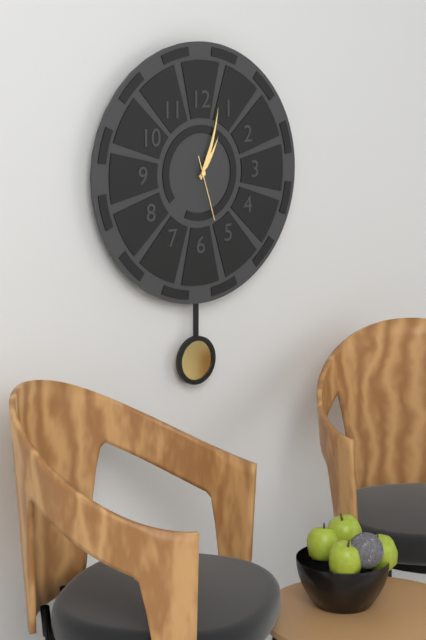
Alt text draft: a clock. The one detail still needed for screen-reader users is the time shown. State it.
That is 1:03:27
